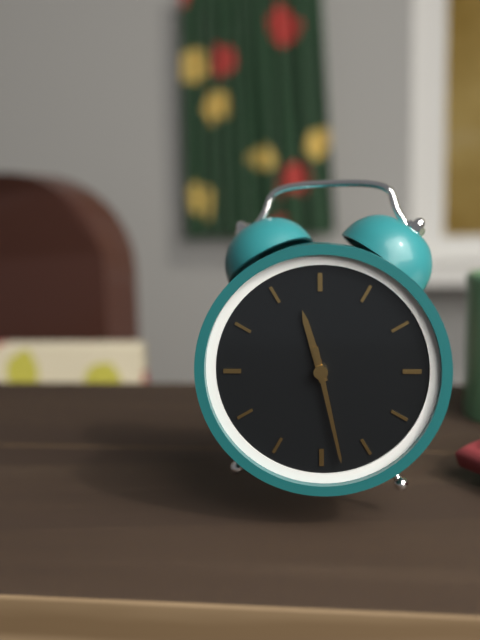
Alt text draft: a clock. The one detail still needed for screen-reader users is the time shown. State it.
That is 11:28
